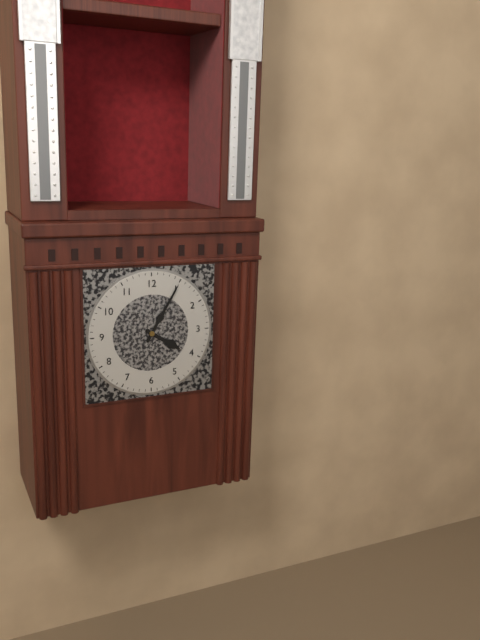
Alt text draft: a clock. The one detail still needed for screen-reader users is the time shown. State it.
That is 4:05
